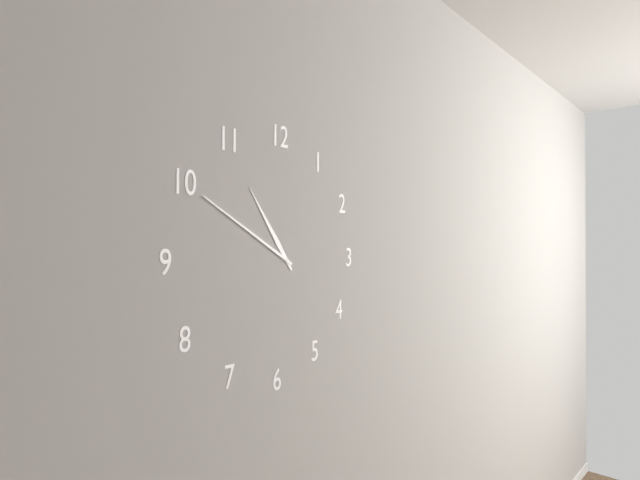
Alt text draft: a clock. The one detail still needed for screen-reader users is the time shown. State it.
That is 10:50
